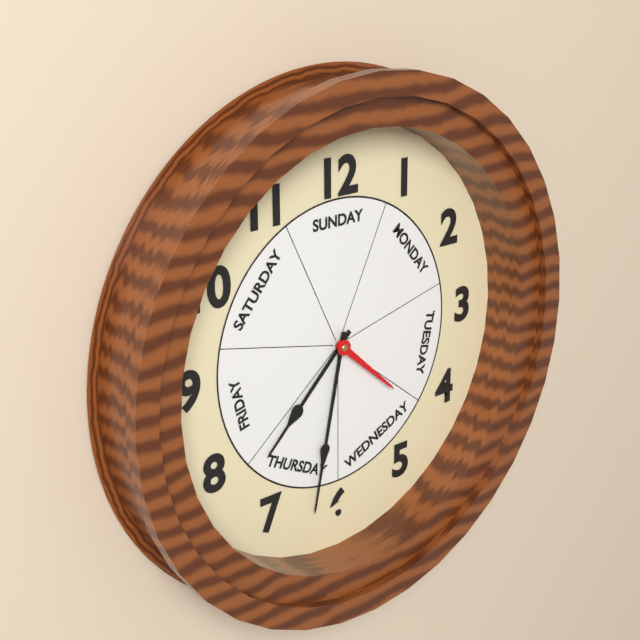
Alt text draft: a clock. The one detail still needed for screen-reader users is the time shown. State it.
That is 7:32:22
